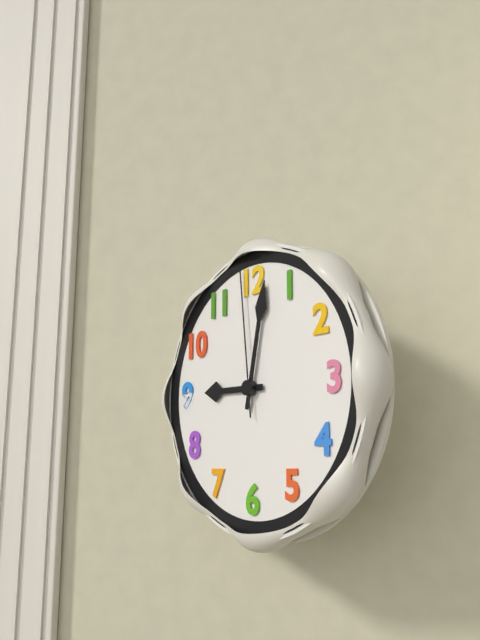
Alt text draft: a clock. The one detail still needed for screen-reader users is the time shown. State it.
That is 9:02:59
